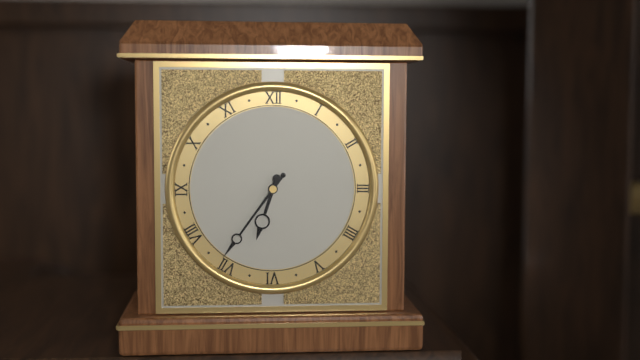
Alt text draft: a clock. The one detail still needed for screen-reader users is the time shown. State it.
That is 6:36
